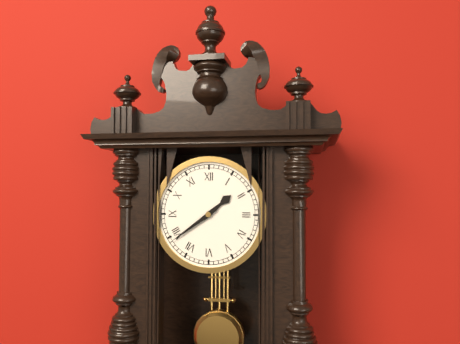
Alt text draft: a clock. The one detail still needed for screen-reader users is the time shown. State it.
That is 1:39
